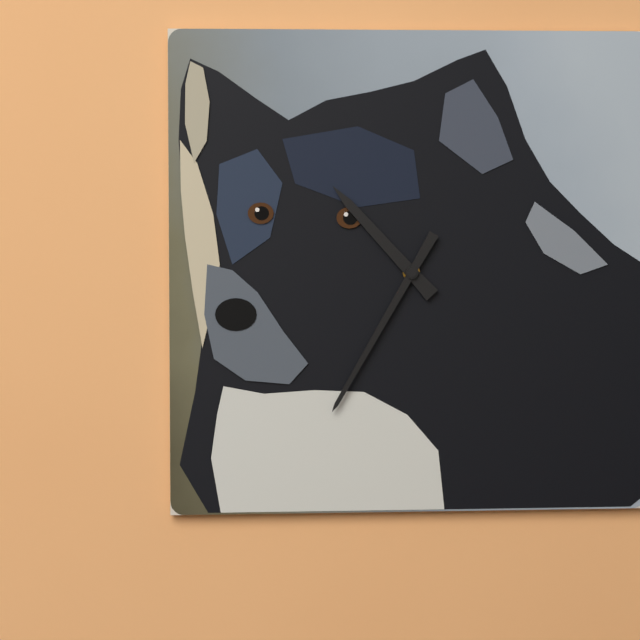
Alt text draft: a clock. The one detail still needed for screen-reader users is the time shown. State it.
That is 10:35
